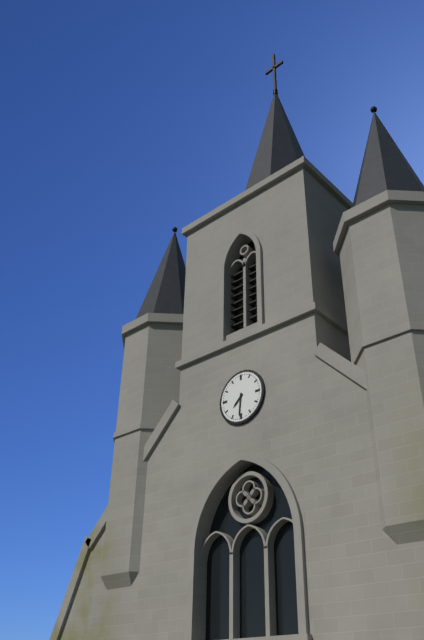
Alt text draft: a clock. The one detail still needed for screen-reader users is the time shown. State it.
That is 7:31
